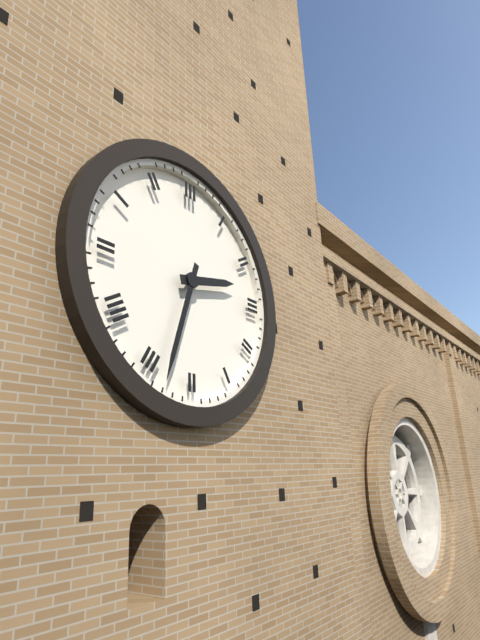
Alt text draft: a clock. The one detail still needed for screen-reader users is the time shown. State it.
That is 2:33
